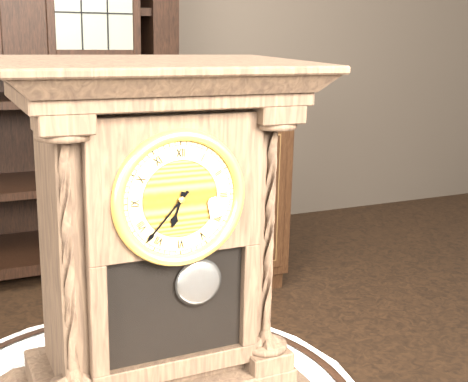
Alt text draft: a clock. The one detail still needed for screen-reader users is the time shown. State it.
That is 6:37
